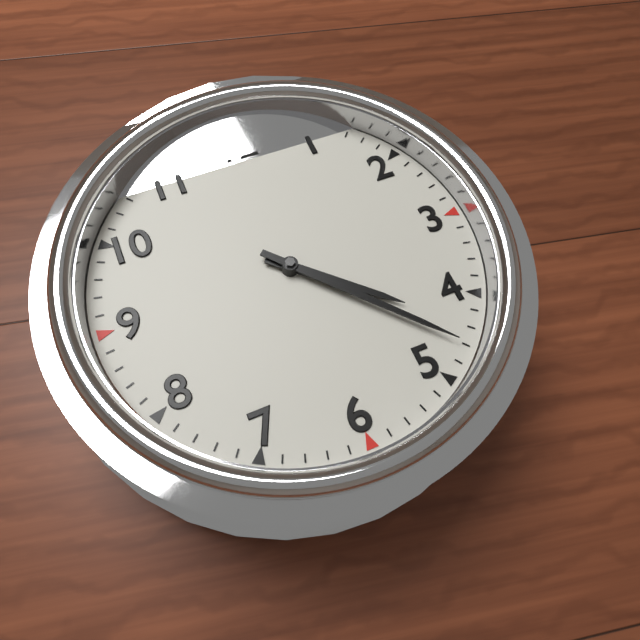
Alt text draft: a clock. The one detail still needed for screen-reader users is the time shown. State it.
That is 4:23
